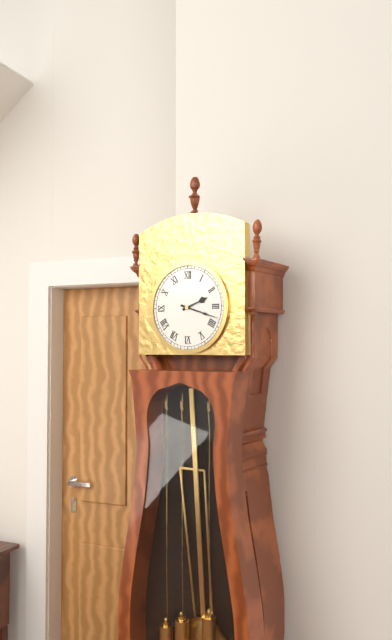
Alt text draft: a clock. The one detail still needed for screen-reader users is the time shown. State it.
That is 2:18
